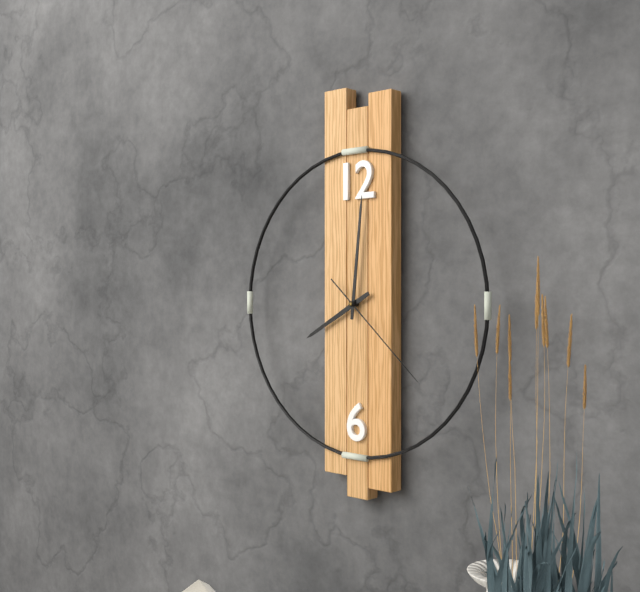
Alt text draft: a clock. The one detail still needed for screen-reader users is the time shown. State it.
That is 8:01:22
